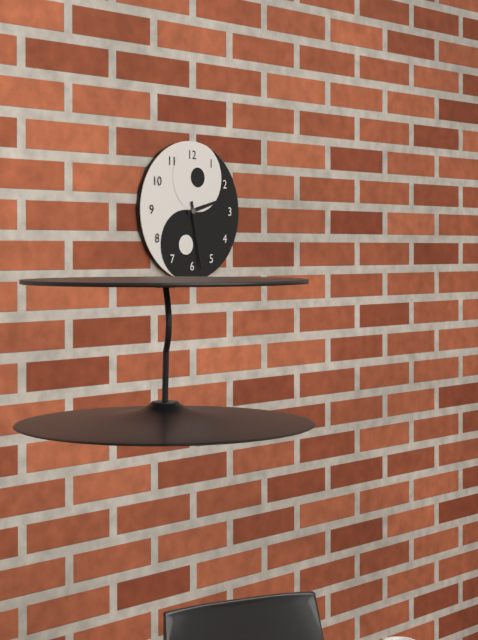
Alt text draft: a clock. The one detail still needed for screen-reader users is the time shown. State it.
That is 2:28
